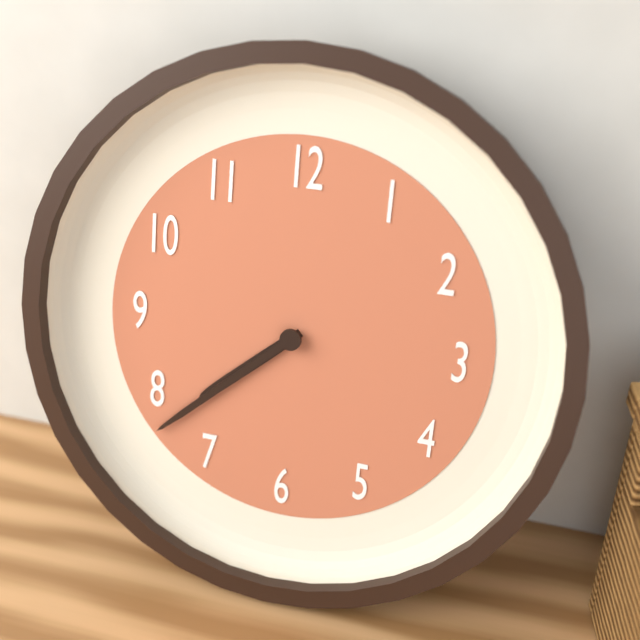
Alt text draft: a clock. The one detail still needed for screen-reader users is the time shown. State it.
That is 7:38
